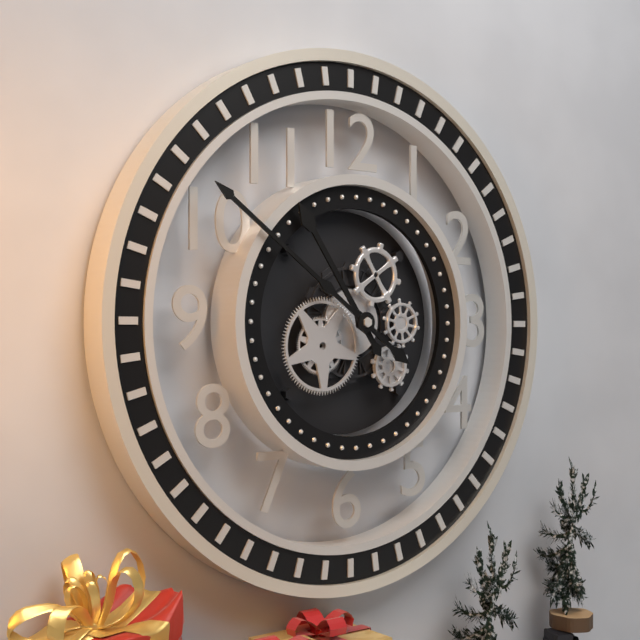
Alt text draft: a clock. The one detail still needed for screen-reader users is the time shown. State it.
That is 10:51
